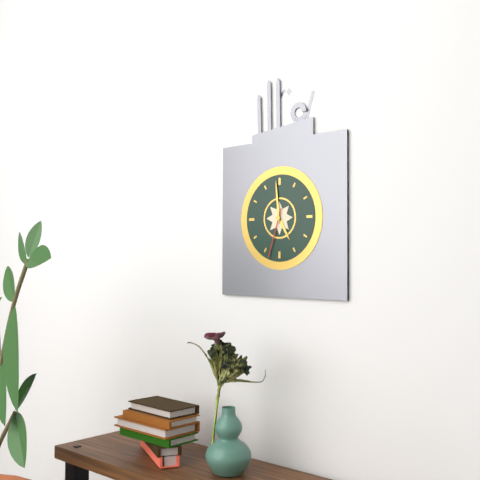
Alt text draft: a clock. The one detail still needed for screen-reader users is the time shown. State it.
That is 4:59:33
